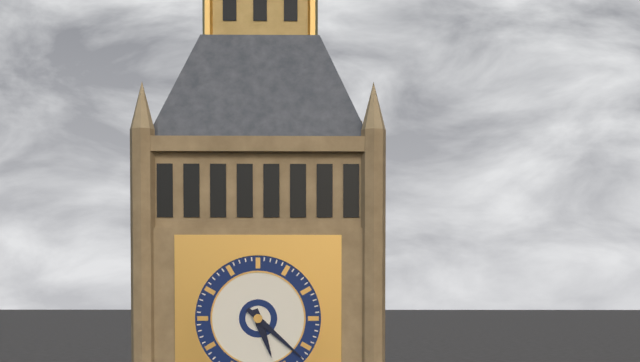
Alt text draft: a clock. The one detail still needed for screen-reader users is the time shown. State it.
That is 5:22
